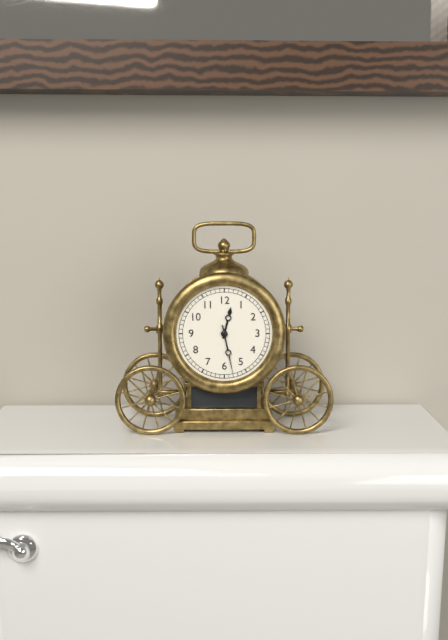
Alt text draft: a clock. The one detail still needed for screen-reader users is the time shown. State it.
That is 12:28
